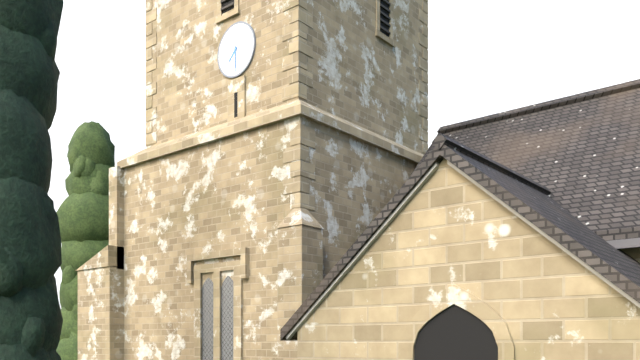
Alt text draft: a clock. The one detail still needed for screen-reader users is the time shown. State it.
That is 7:30
